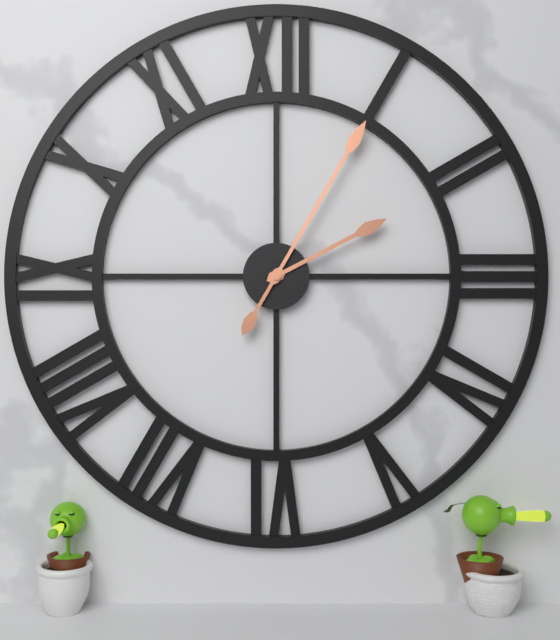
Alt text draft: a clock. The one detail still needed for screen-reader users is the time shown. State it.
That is 2:05
